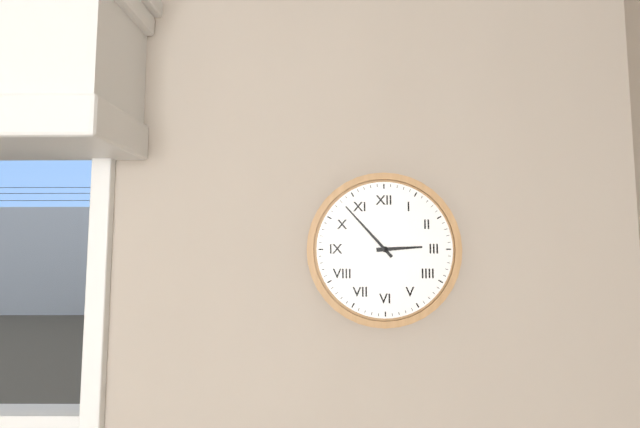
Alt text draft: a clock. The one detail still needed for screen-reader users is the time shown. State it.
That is 2:53
